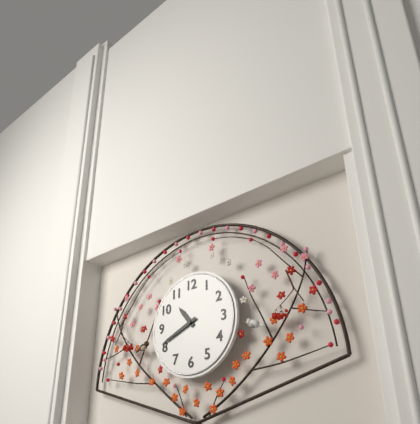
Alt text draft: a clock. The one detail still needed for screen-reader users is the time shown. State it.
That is 10:41
